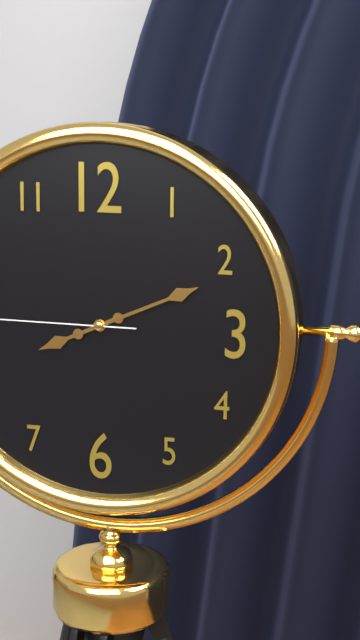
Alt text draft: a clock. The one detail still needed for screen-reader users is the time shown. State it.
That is 8:11
